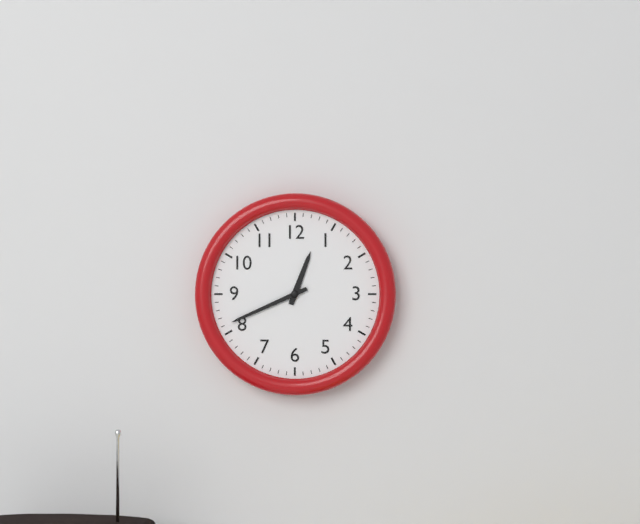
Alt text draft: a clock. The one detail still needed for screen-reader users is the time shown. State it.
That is 12:41
